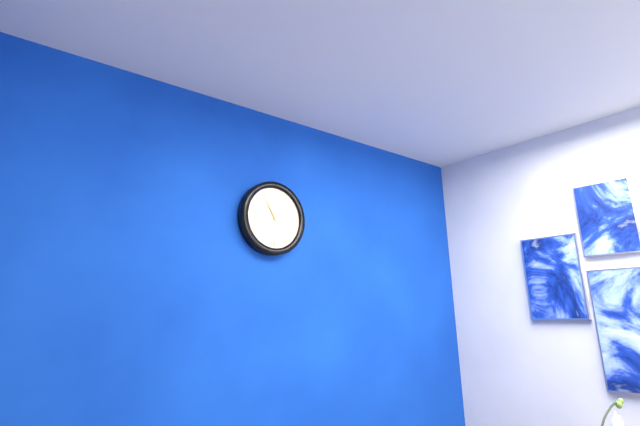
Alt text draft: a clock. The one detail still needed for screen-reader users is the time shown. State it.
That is 10:55
